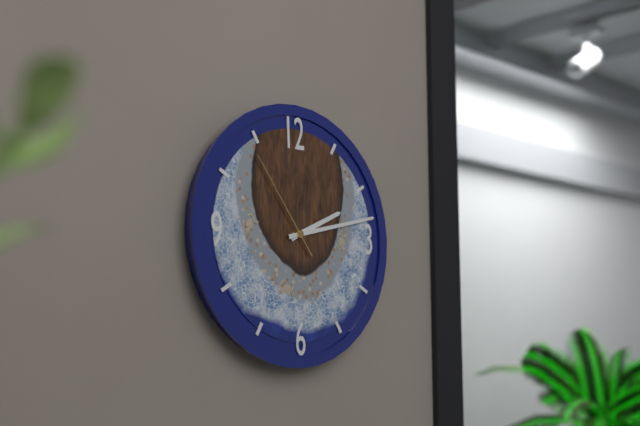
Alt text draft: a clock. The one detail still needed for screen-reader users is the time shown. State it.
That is 2:13:54
